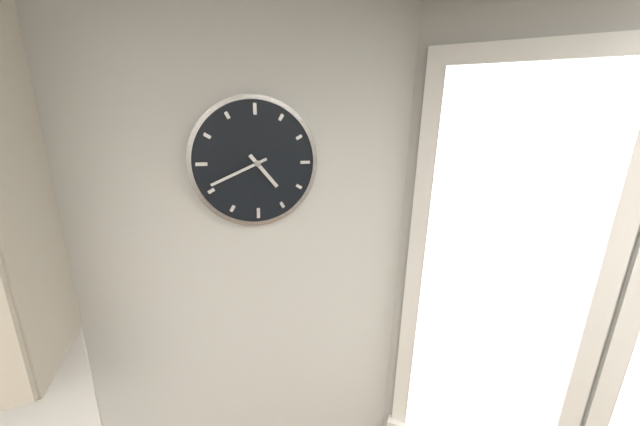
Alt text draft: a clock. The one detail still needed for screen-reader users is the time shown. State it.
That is 4:41
